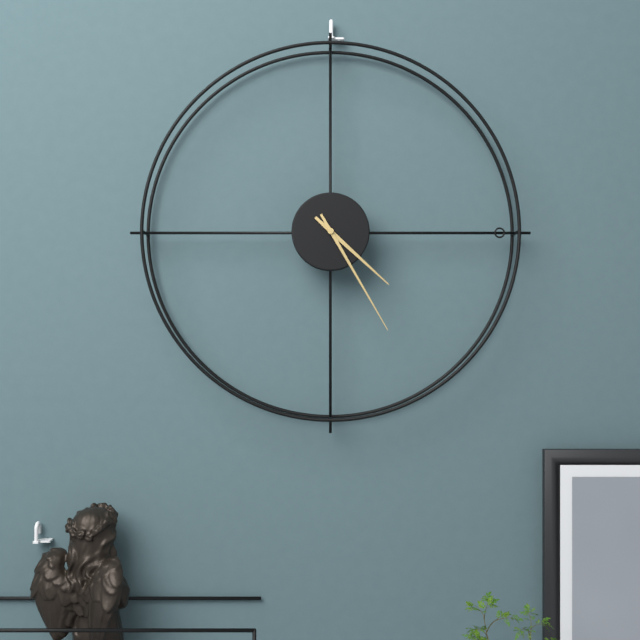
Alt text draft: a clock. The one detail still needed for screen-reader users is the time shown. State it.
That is 4:25
